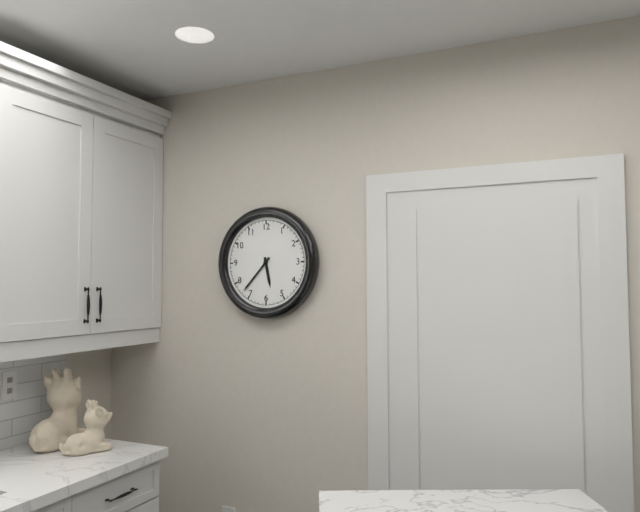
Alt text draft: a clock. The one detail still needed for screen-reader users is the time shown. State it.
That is 5:37
